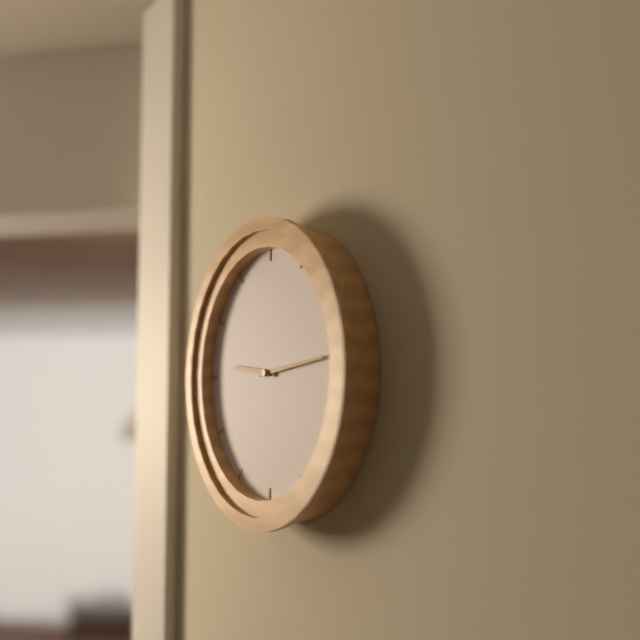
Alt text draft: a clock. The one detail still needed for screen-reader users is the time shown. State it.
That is 9:14
